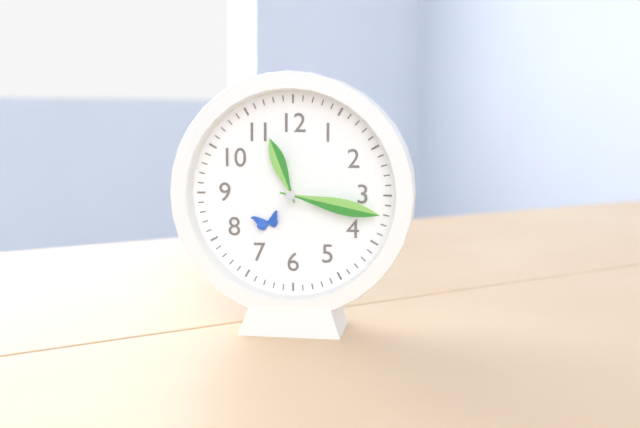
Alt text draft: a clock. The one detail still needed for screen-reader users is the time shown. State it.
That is 11:17
